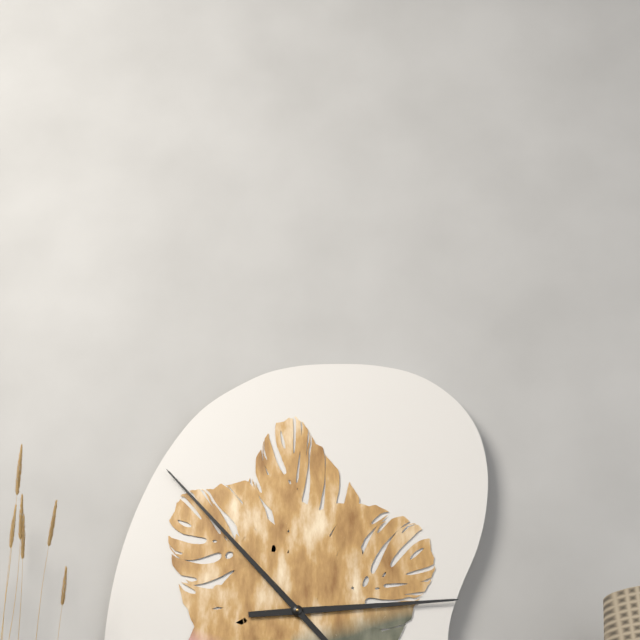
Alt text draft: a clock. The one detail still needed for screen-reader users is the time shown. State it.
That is 2:53
